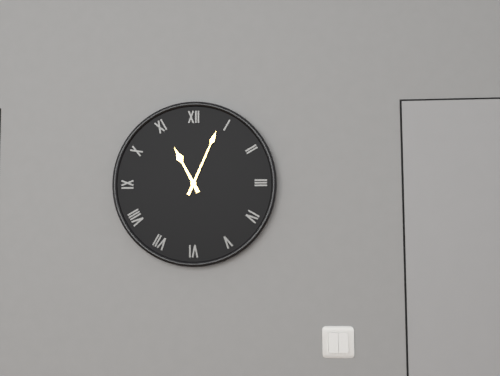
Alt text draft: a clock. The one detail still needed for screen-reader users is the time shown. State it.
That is 11:04
